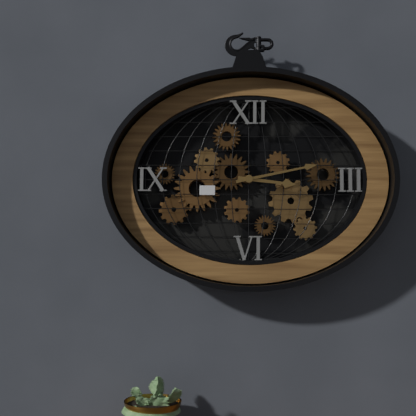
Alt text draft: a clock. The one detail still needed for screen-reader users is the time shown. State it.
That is 3:13
